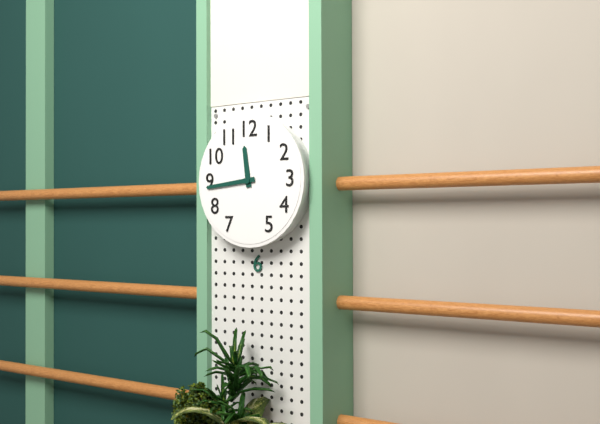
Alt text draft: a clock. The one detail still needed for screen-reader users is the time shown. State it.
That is 11:44
